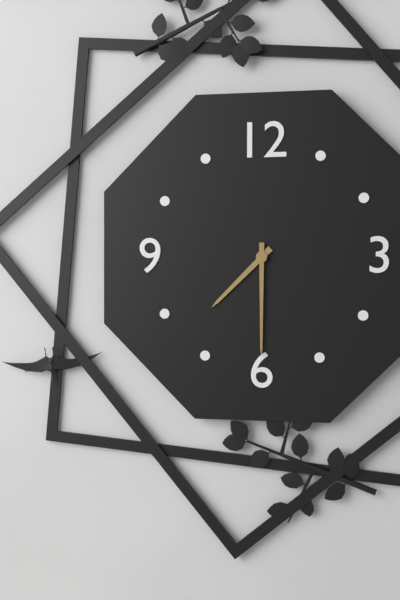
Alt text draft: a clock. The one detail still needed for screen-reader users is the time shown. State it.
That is 7:30
